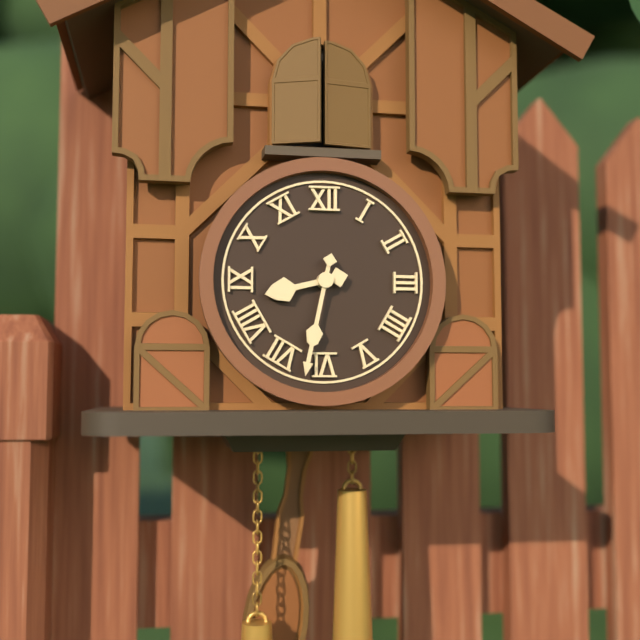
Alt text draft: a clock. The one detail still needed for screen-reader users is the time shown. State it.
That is 8:32
